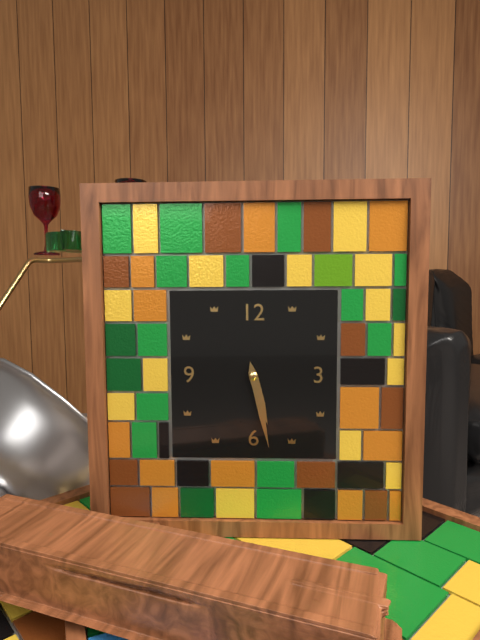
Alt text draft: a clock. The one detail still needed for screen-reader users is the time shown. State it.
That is 5:28
